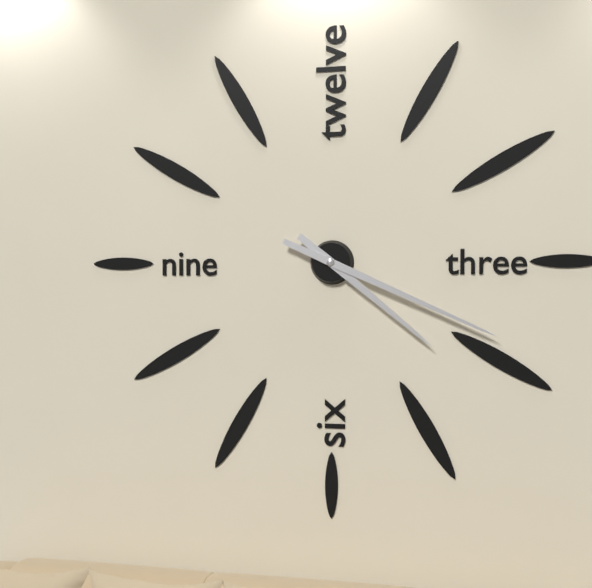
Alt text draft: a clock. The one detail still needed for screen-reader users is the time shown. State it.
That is 4:19
